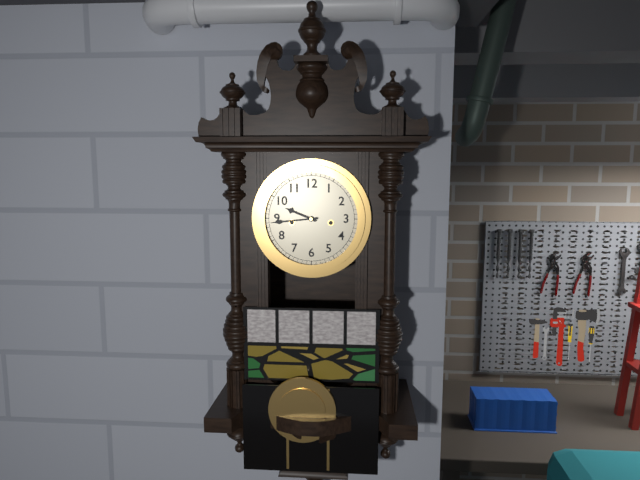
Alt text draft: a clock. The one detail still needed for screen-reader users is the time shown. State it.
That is 9:44
